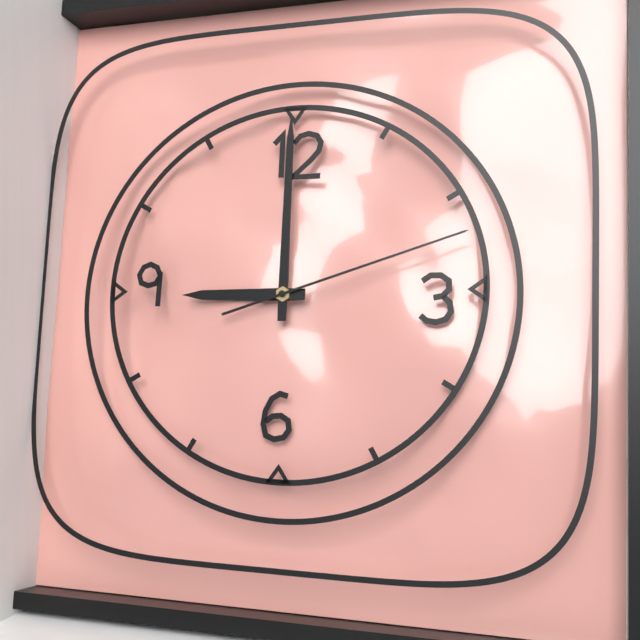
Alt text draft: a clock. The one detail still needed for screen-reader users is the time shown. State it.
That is 9:00:12
